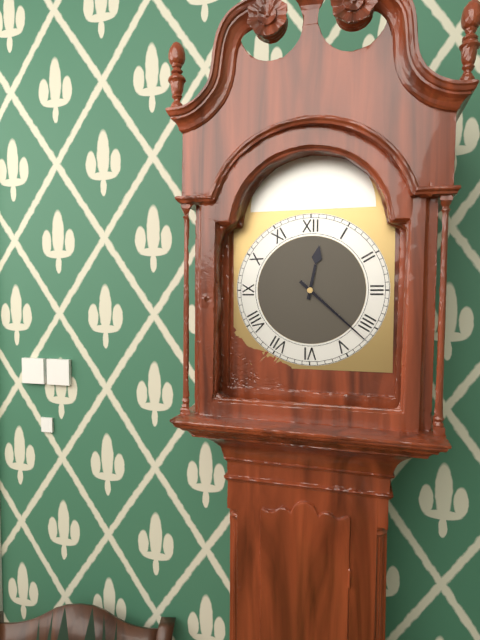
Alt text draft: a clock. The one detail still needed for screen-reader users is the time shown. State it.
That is 12:22
